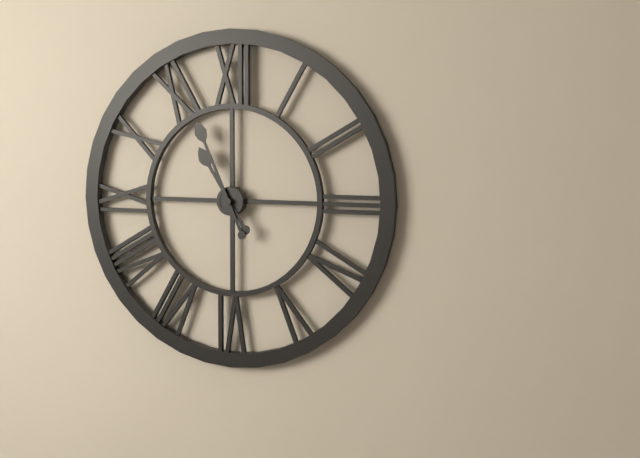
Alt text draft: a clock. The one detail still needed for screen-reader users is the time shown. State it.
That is 10:56
